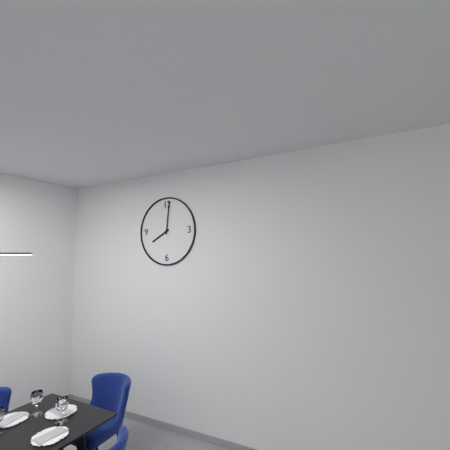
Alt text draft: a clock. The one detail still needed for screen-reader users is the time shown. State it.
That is 8:01
